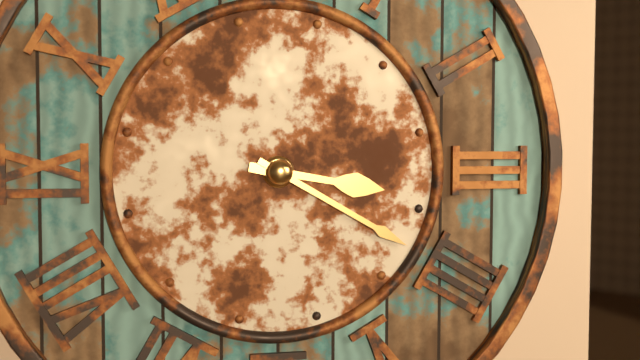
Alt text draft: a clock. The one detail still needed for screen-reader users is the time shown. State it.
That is 3:20
